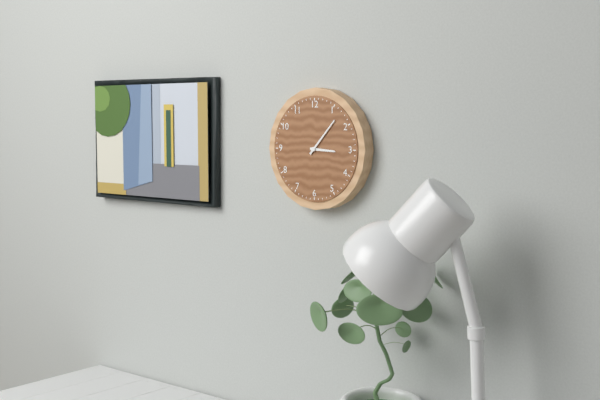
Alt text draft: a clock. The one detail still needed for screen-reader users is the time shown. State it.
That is 3:07
